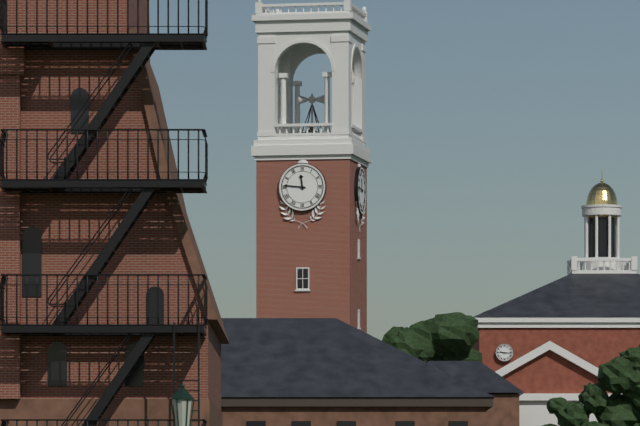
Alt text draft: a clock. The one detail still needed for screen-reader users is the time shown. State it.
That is 11:46
